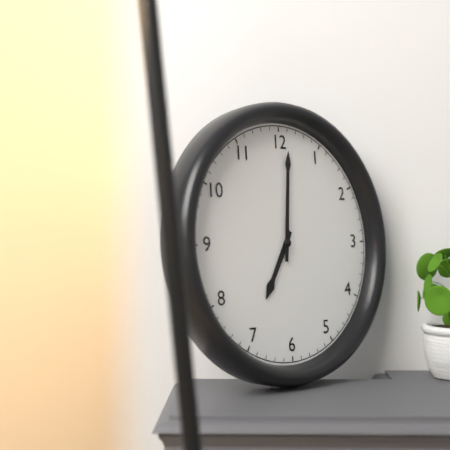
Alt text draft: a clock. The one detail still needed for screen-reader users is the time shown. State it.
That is 7:01
